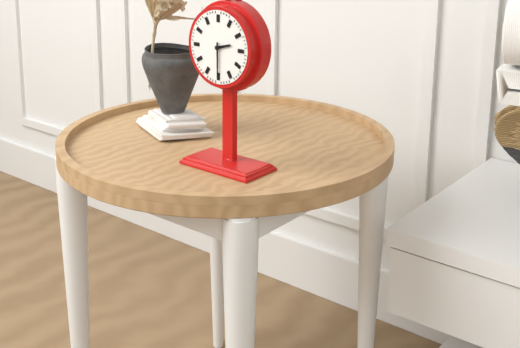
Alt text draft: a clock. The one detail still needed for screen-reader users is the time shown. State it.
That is 2:30
